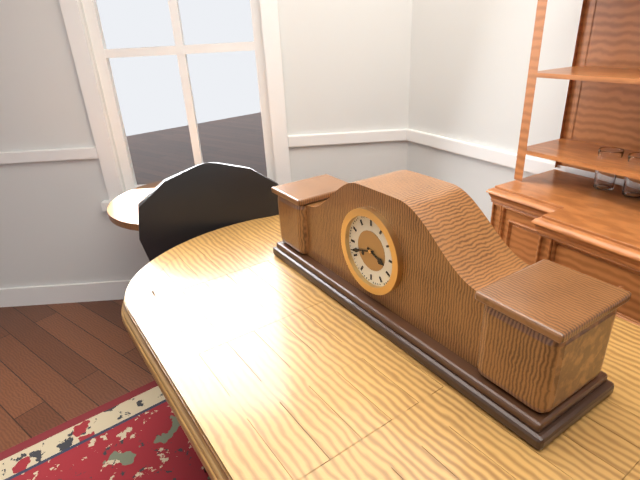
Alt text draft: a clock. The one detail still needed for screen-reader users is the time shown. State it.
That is 3:42
